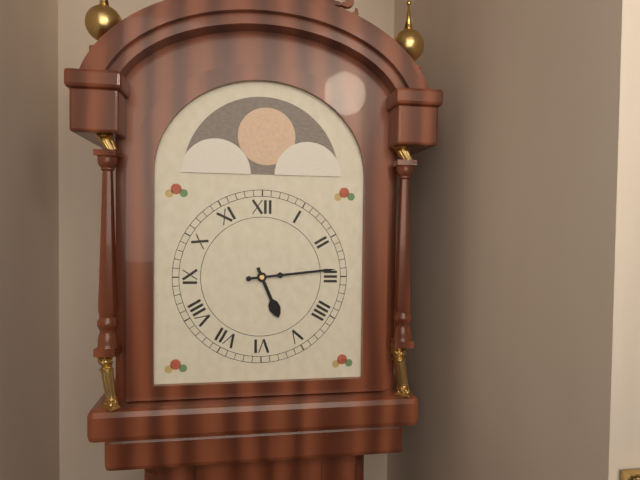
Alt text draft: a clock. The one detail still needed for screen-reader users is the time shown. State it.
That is 5:14
